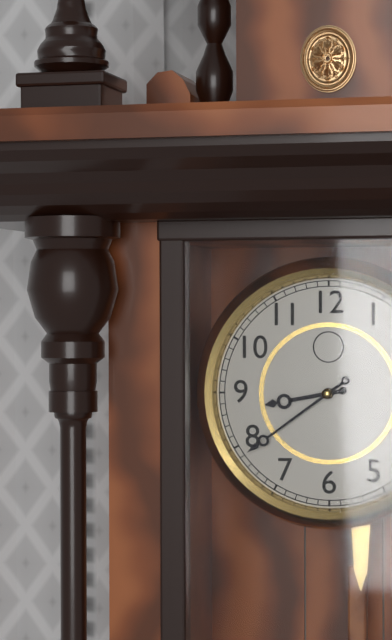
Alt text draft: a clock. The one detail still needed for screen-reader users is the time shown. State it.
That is 8:39
